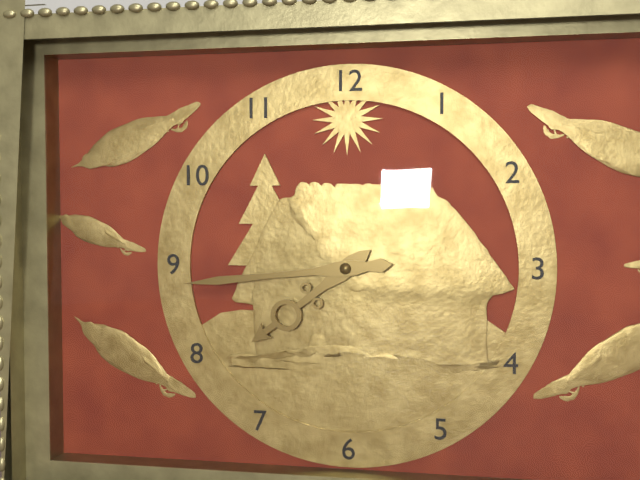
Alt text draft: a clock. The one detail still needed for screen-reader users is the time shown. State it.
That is 7:44
